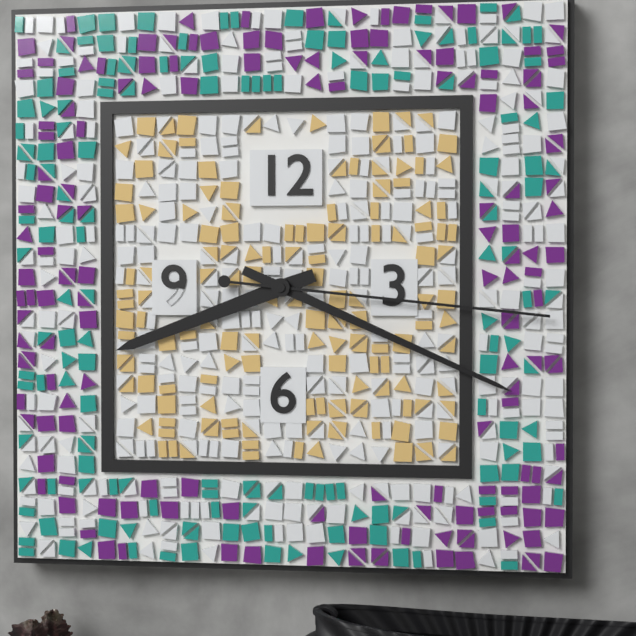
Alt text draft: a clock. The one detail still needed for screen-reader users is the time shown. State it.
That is 8:19:16
